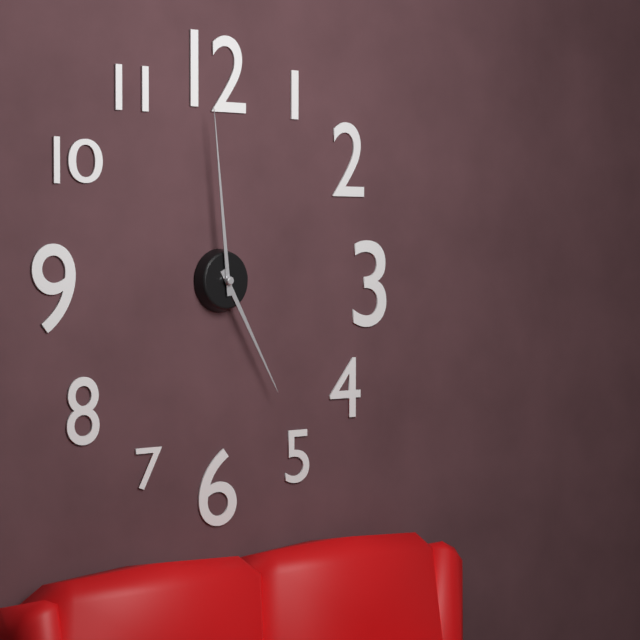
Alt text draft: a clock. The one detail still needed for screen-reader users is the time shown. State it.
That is 4:59
